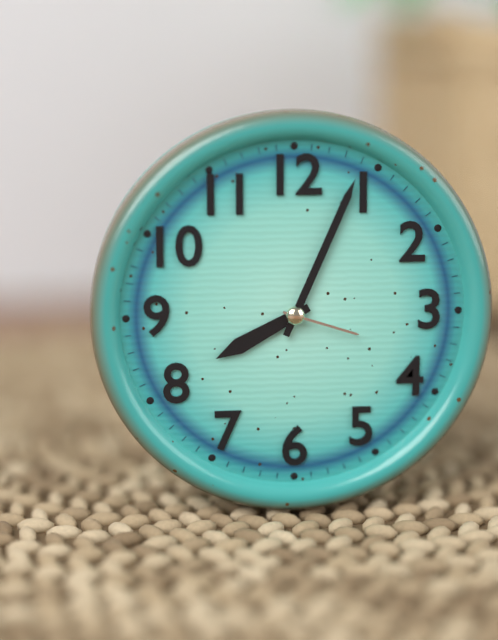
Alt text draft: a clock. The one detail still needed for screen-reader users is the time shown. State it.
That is 8:04:18
